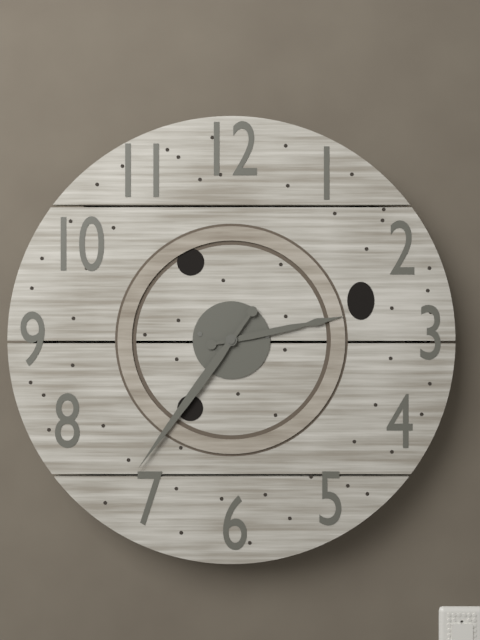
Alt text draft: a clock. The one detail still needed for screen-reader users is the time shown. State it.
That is 2:36
